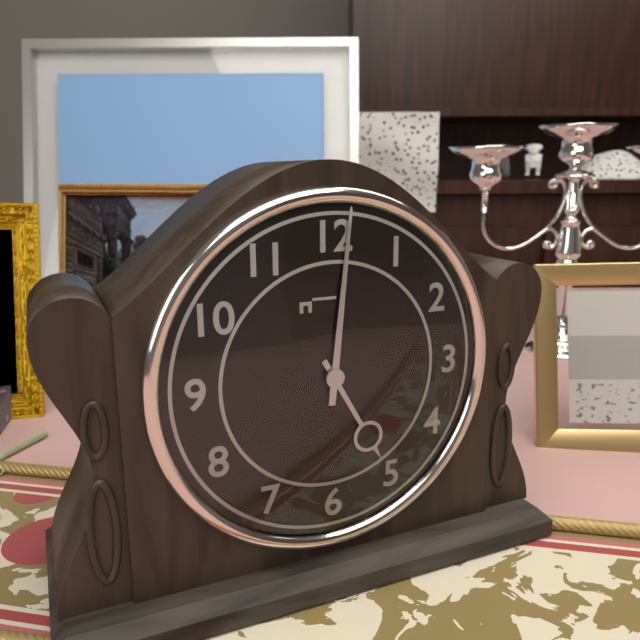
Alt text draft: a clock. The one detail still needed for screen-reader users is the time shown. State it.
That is 5:01
